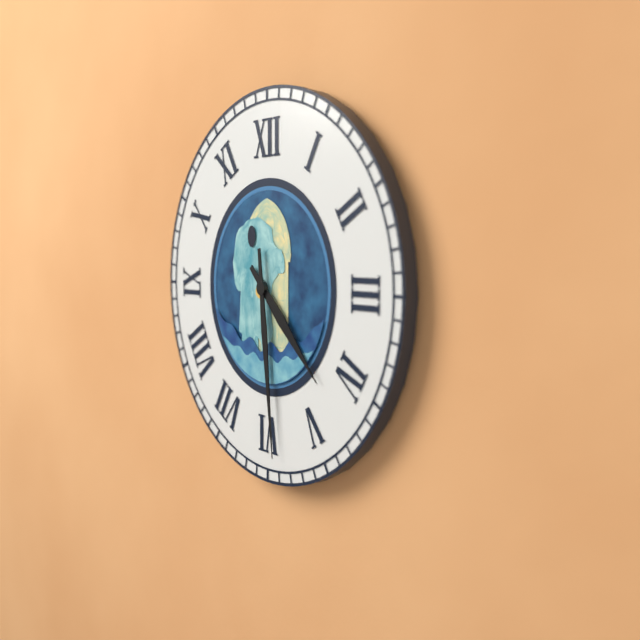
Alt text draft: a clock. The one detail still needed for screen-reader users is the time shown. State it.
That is 4:29
